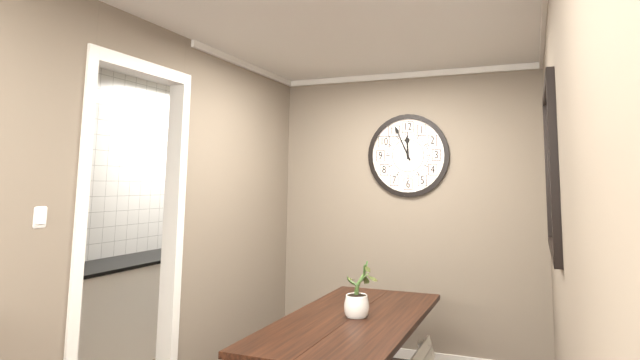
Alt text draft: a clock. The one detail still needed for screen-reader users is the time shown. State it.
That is 11:56
